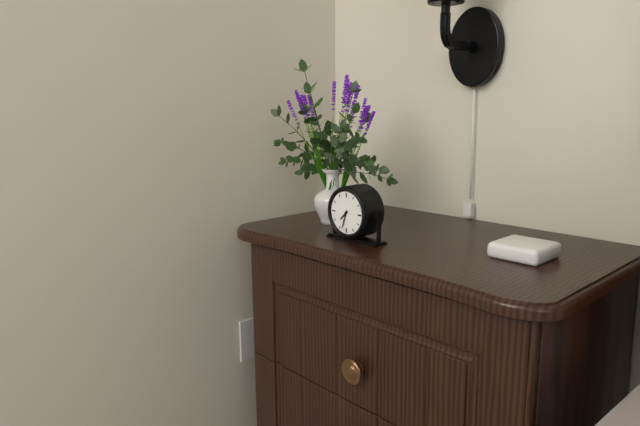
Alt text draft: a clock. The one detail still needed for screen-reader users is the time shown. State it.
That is 7:33
